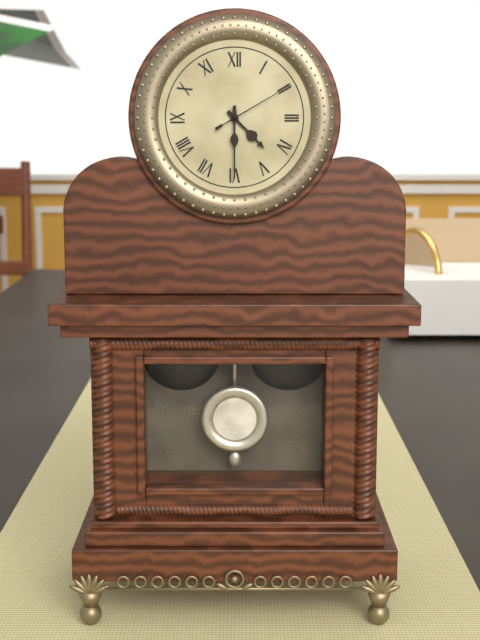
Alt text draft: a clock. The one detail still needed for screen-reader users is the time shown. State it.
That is 4:30:10
